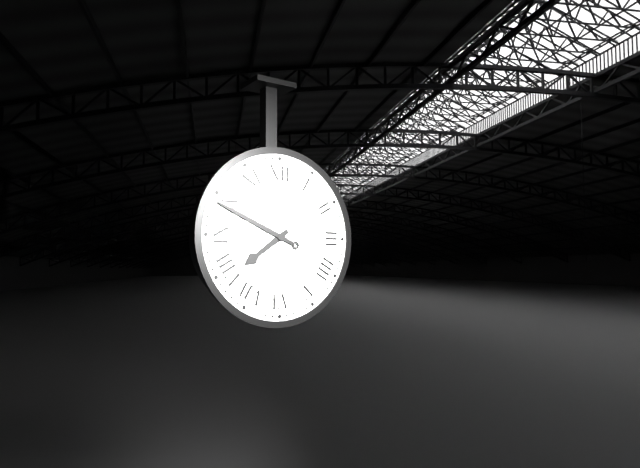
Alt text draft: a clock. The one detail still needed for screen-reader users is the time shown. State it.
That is 7:49
